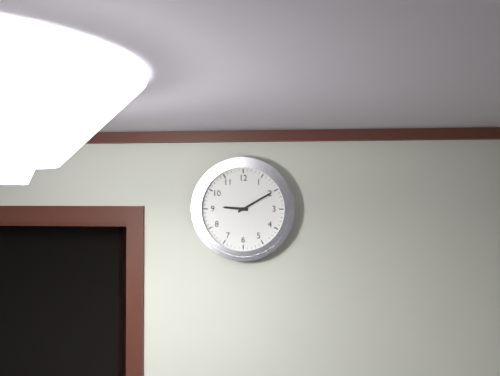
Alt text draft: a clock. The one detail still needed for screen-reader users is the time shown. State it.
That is 9:10
